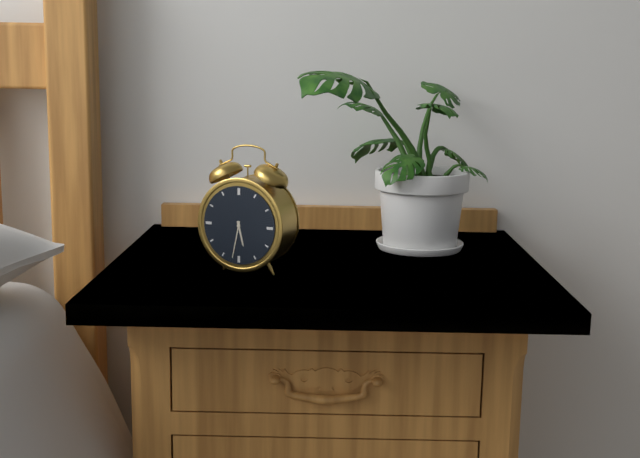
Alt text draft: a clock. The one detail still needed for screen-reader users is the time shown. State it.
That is 5:32
